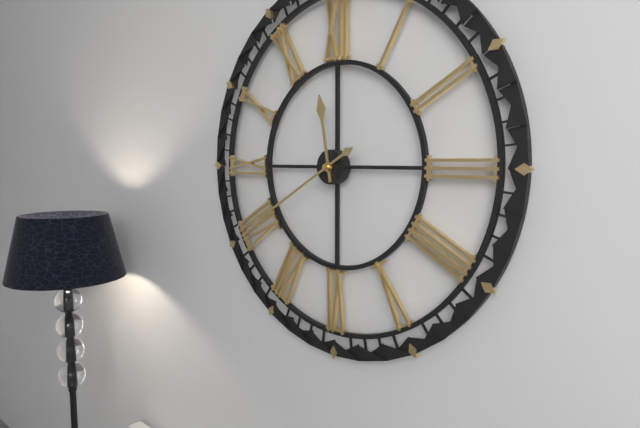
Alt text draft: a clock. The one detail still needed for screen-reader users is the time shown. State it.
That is 11:40
